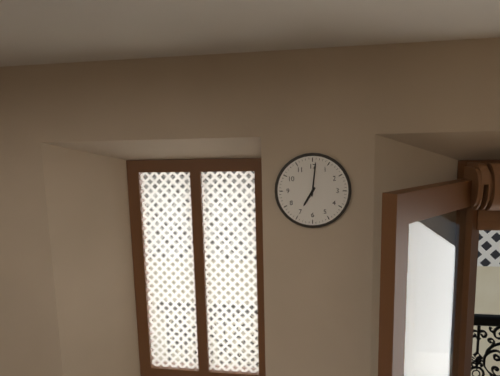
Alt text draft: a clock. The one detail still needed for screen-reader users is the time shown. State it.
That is 7:01
